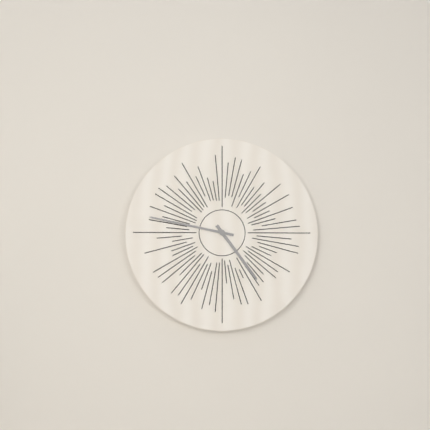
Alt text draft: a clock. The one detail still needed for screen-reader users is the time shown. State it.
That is 4:47
